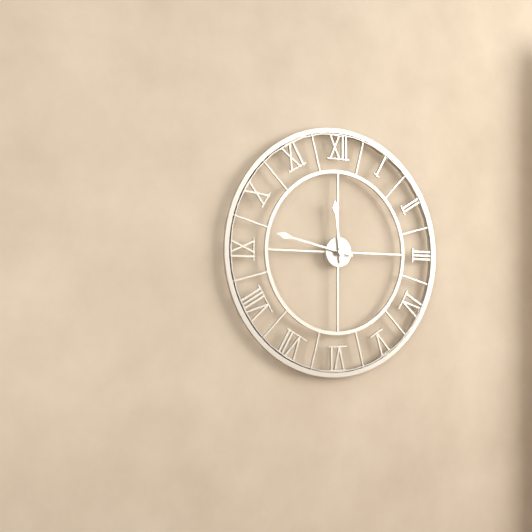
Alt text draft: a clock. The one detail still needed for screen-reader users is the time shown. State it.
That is 11:47
